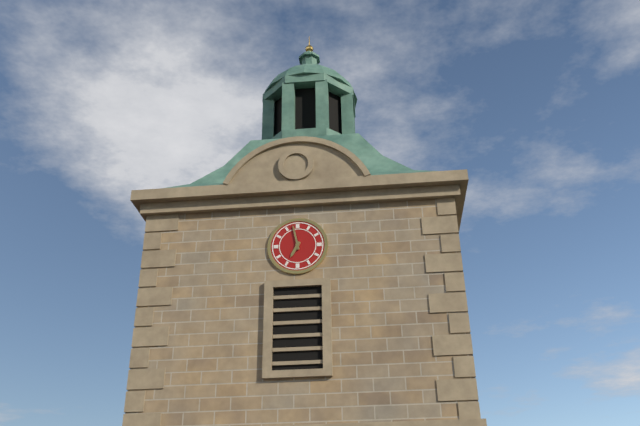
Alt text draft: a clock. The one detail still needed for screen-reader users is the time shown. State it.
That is 6:58
